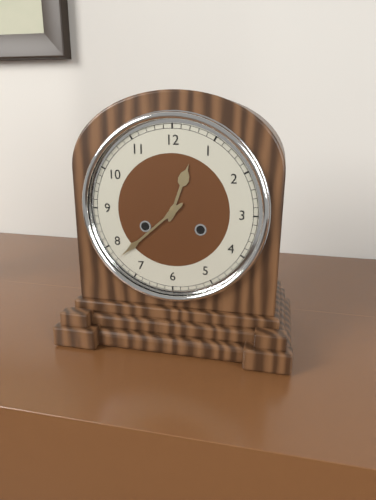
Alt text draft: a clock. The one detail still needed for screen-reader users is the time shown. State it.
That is 12:38
